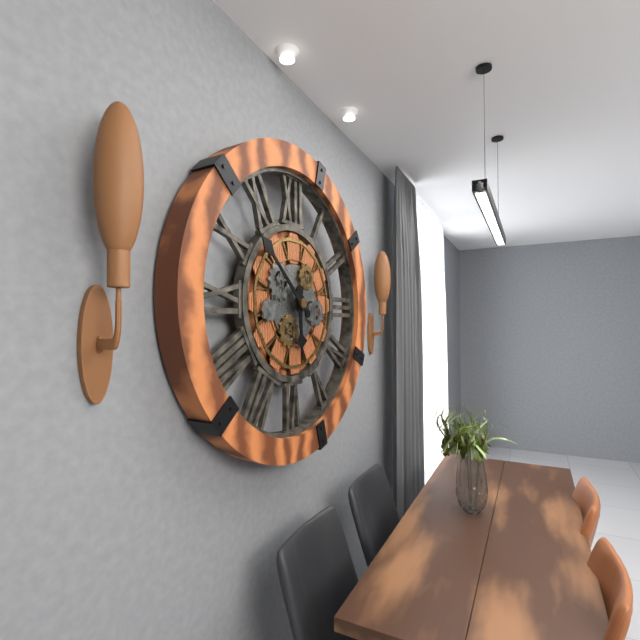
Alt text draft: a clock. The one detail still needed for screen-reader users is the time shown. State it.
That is 5:52
